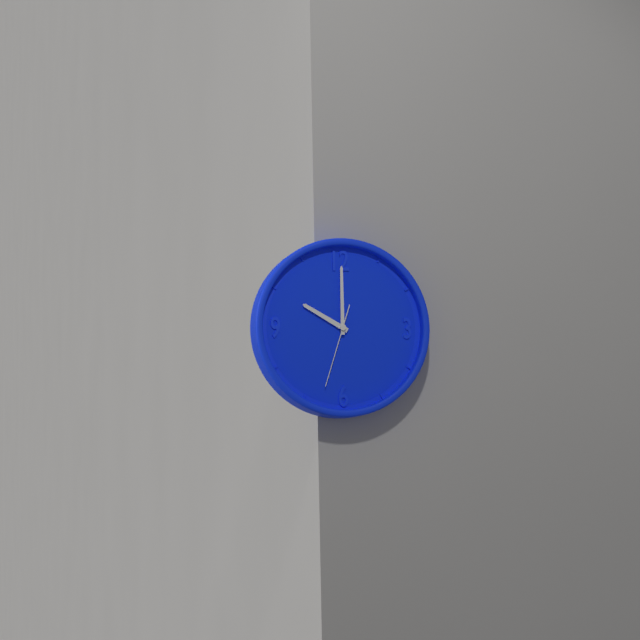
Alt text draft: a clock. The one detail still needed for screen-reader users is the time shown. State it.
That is 10:00:33
